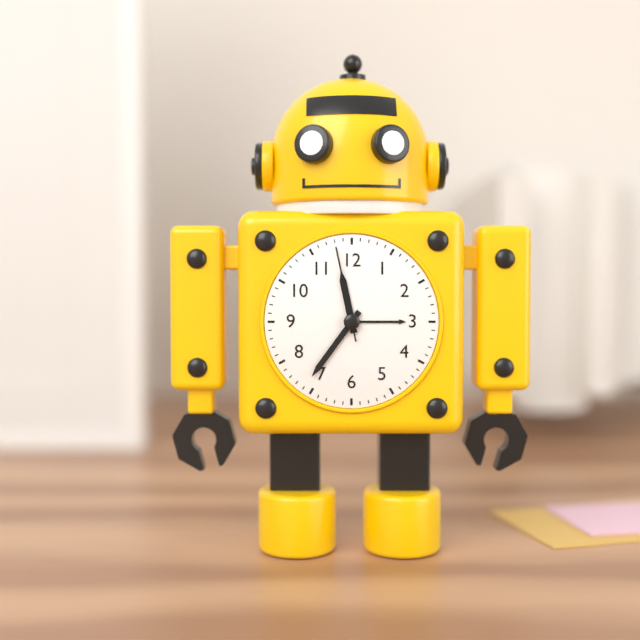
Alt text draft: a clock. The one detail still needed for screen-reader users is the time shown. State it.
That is 11:36:58
